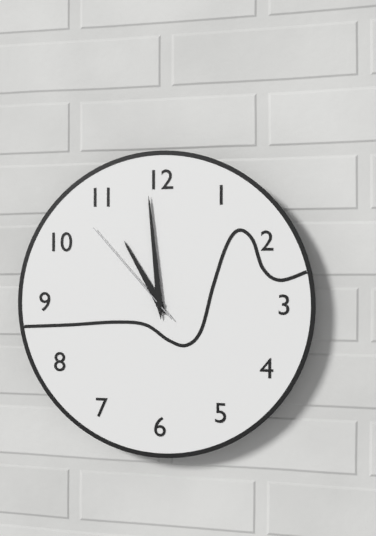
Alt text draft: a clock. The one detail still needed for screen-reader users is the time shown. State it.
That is 10:59:53
